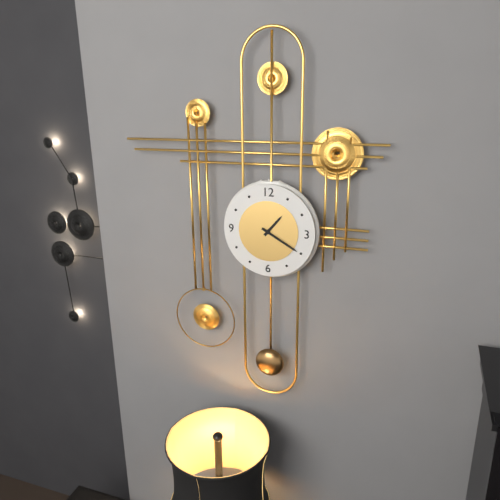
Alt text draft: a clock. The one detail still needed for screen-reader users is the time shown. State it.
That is 1:20
